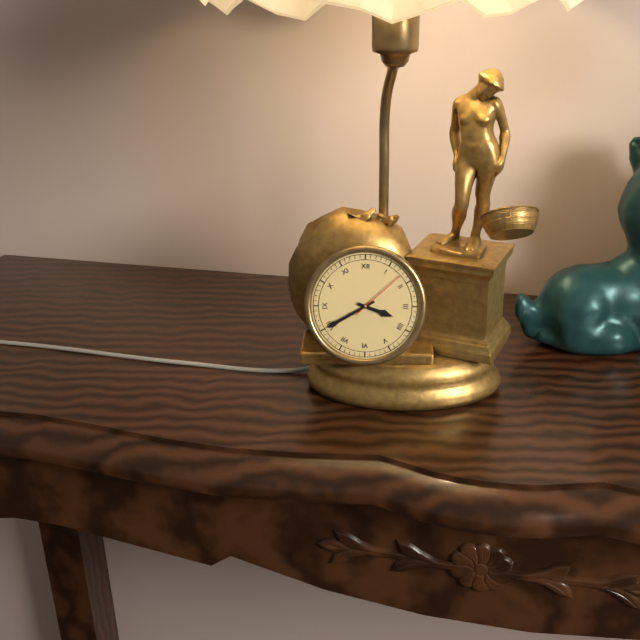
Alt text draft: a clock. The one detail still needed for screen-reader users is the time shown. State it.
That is 3:40:08
